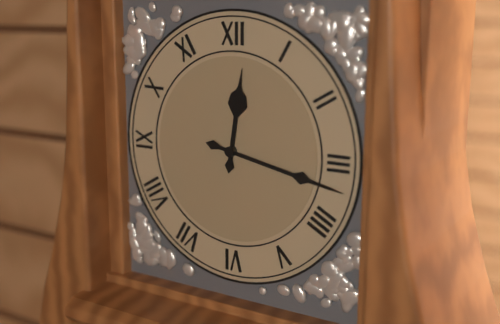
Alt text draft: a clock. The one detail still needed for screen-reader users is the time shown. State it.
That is 12:17
